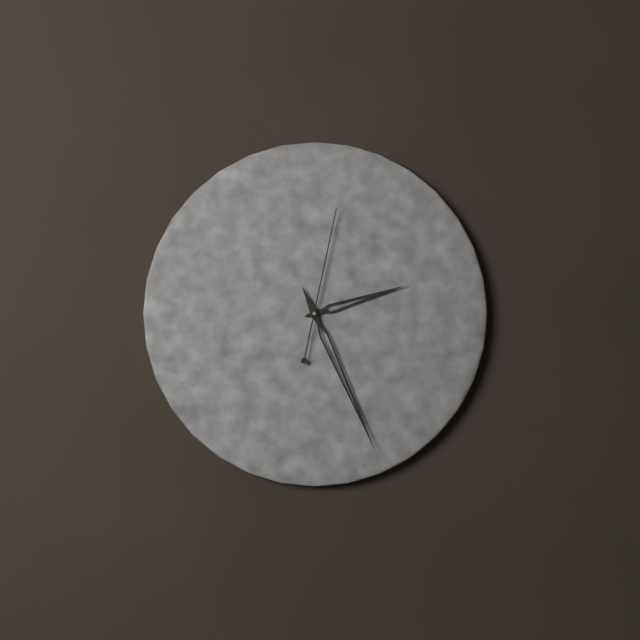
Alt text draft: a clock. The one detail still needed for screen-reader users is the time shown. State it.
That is 2:26:02
